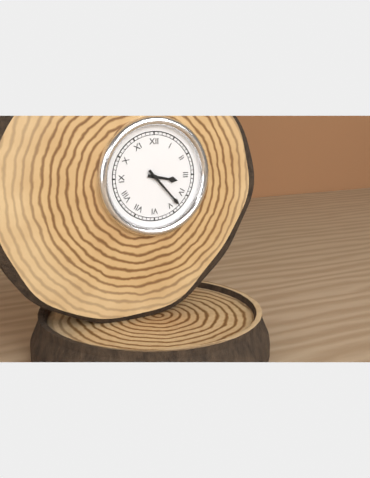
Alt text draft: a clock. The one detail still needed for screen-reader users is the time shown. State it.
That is 3:23
